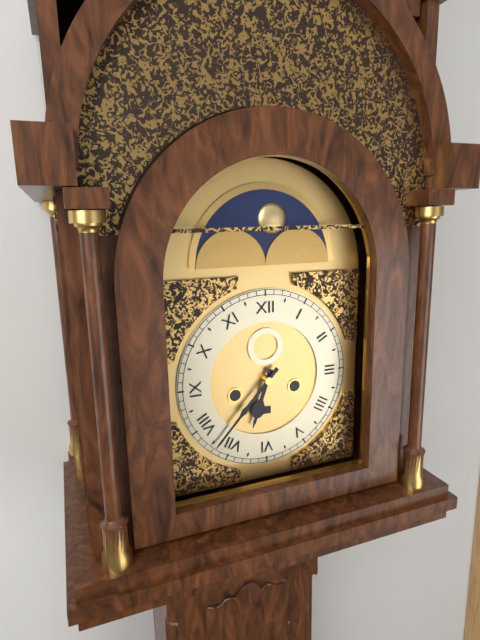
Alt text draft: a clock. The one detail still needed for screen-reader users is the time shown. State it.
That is 6:37
